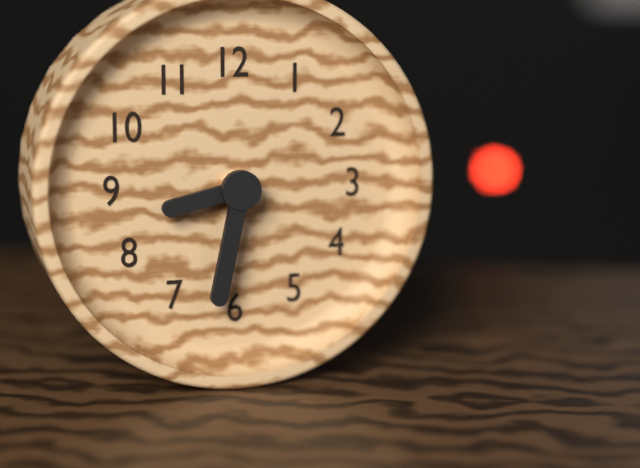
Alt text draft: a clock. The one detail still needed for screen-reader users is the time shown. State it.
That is 8:32
